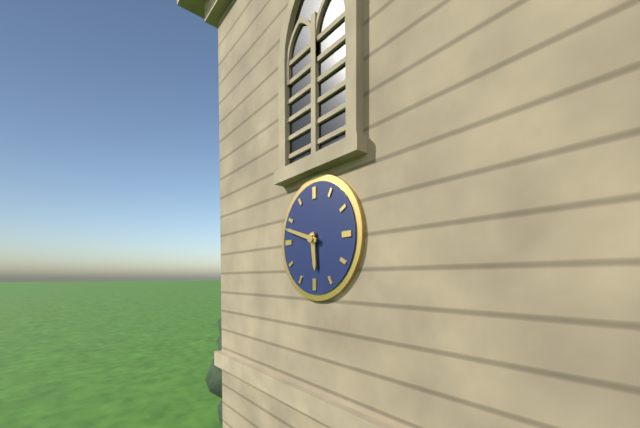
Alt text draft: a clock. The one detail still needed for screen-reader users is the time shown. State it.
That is 5:48
